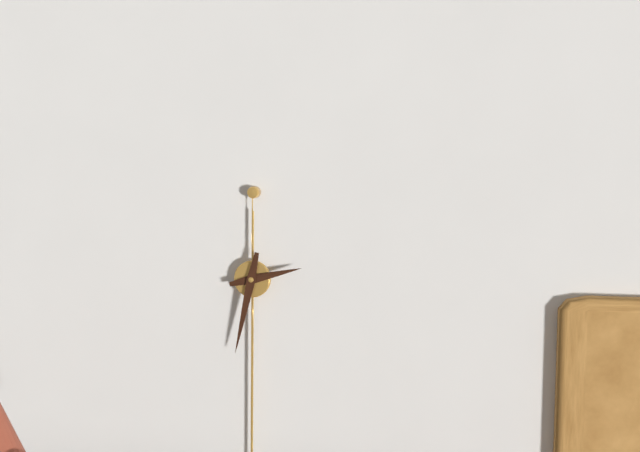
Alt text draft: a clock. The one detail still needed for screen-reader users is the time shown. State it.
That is 2:32
